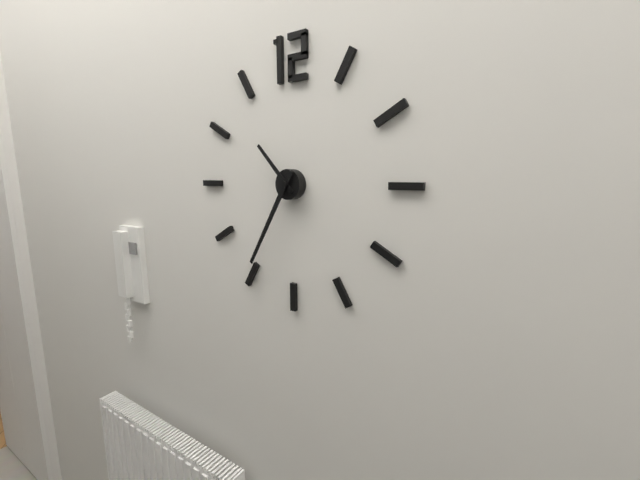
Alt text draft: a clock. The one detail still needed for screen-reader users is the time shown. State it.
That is 10:35
